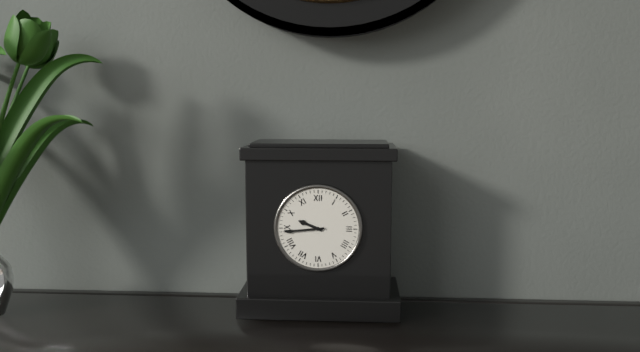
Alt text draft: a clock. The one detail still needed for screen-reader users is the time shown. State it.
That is 9:44
